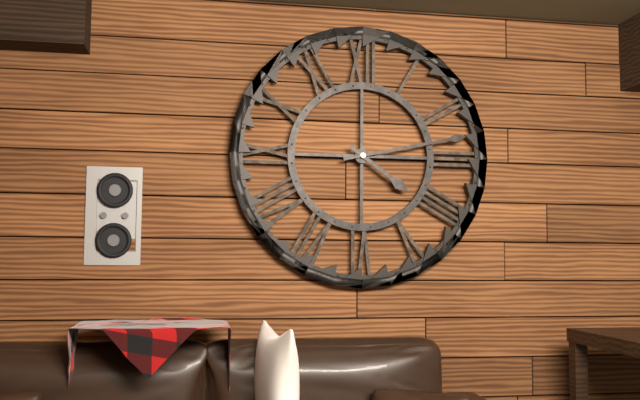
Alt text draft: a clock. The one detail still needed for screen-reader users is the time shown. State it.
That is 4:13
